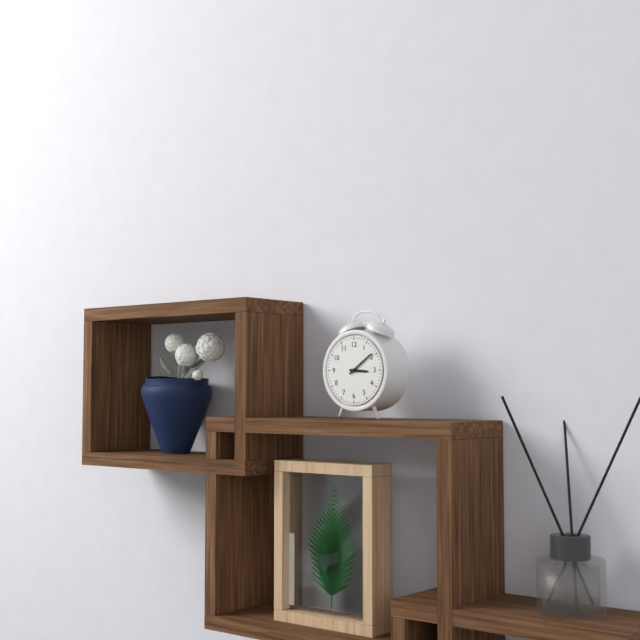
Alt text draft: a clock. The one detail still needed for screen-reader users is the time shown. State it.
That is 3:09
